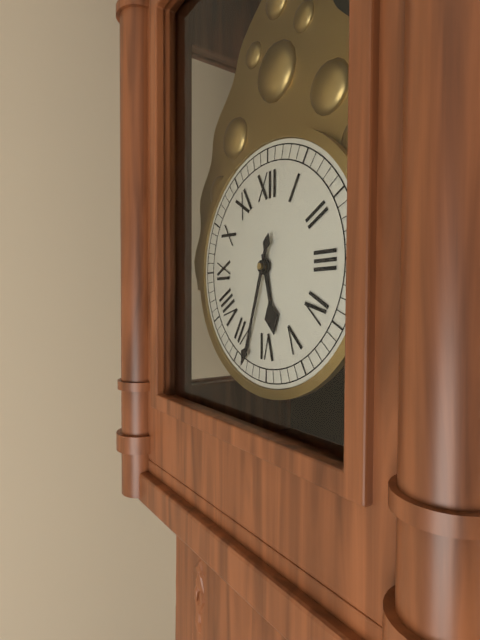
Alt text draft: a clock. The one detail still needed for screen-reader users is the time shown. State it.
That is 5:33
